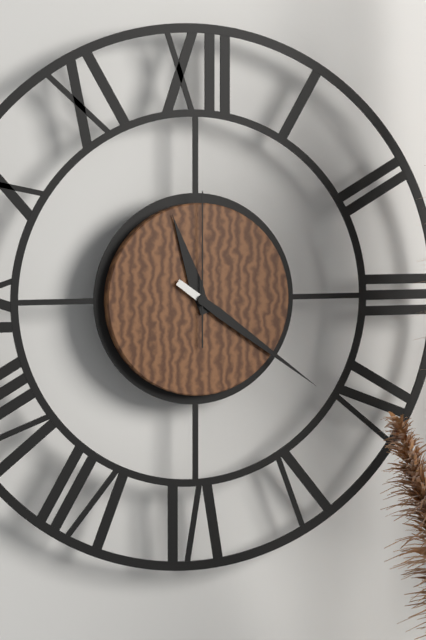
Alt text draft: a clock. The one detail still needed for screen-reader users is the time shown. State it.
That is 11:21:00
